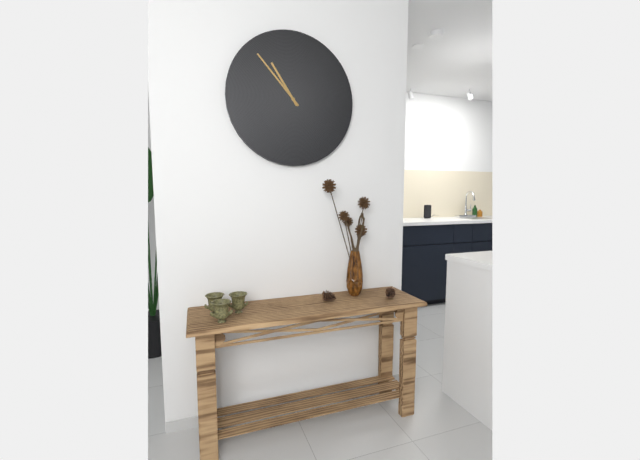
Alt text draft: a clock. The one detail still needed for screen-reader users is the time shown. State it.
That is 10:53
